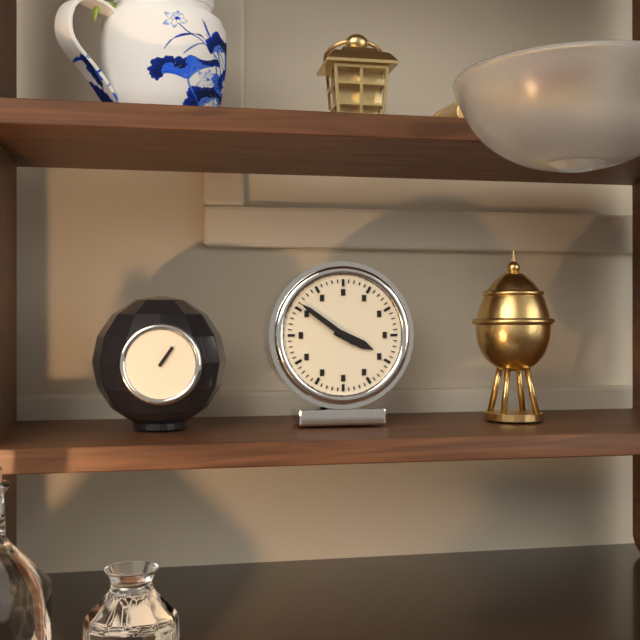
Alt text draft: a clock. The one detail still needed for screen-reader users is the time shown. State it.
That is 3:51
